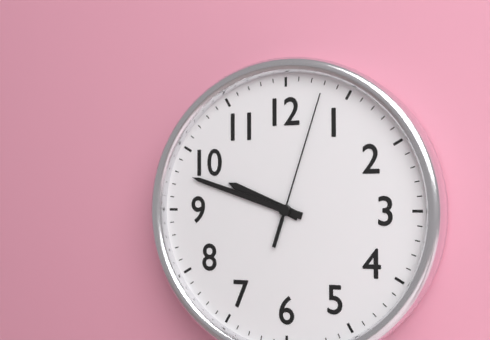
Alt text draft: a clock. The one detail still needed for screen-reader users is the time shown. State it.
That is 9:48:03
